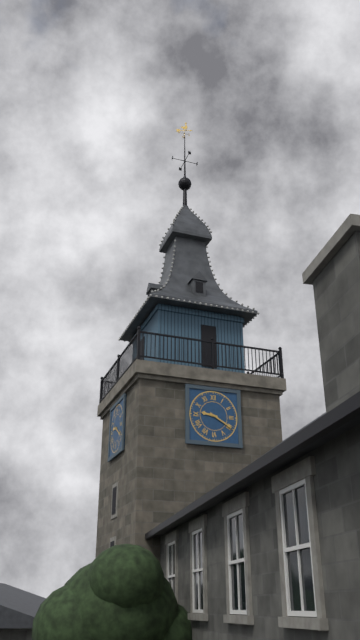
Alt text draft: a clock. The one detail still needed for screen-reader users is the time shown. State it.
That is 9:20
